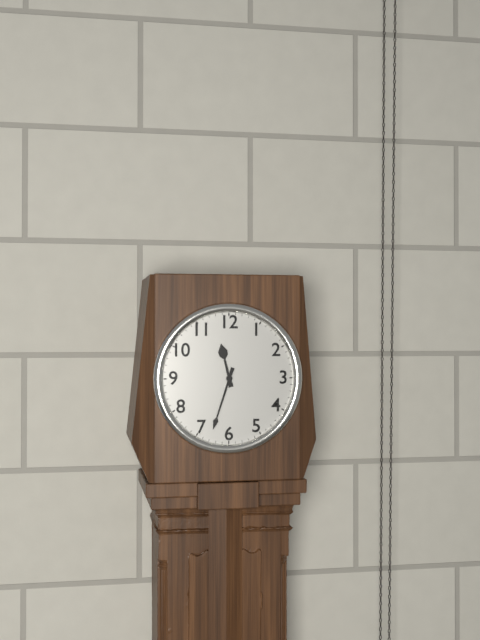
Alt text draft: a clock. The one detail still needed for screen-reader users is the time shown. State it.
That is 11:33
